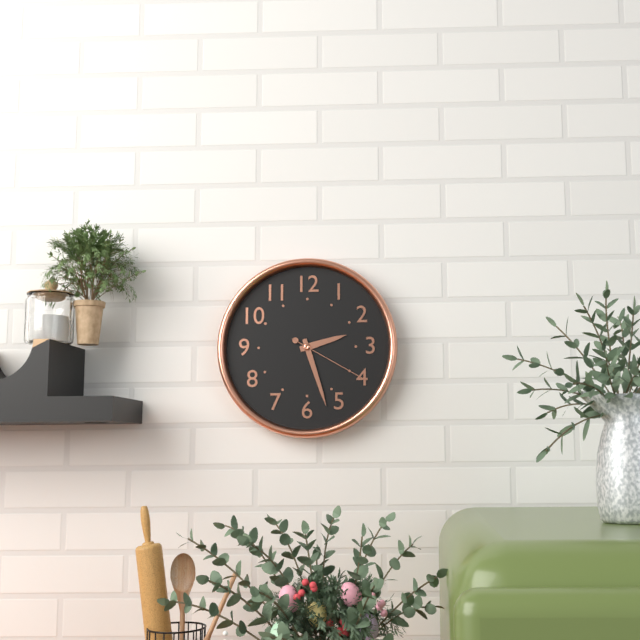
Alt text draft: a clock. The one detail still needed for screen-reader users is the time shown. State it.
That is 2:27:20
